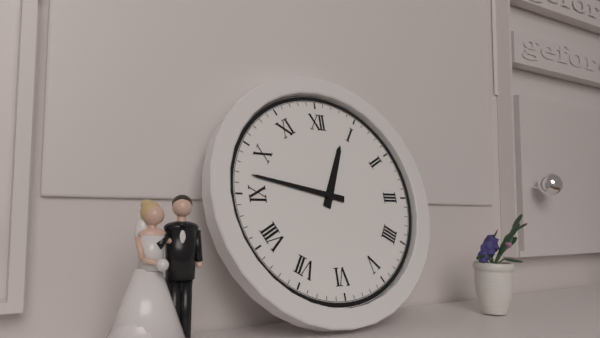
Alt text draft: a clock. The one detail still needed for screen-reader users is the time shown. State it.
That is 12:47
